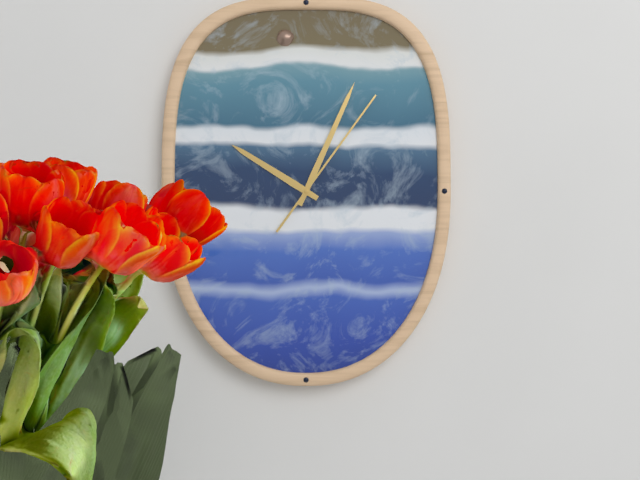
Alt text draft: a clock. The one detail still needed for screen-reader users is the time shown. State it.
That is 10:04:06
